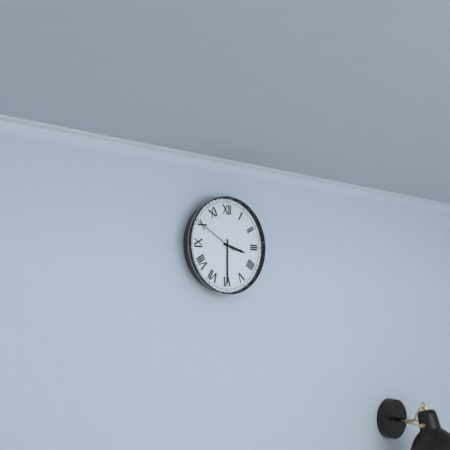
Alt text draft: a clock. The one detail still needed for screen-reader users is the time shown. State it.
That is 3:30
